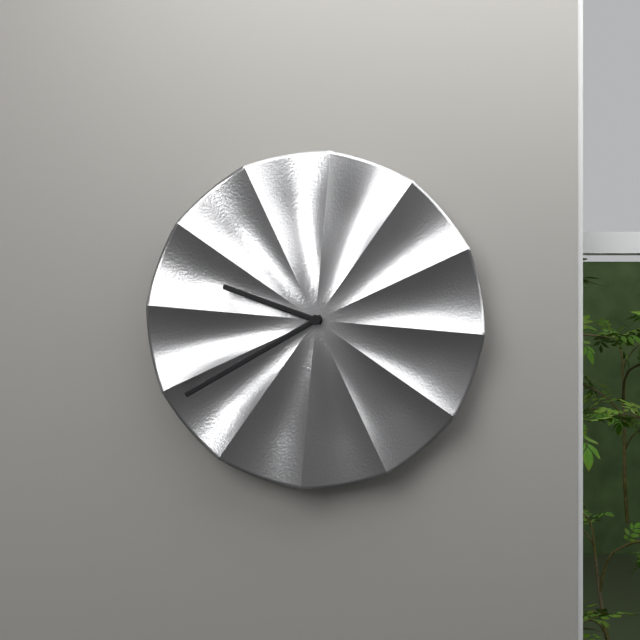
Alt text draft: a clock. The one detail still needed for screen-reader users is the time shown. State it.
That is 9:40
